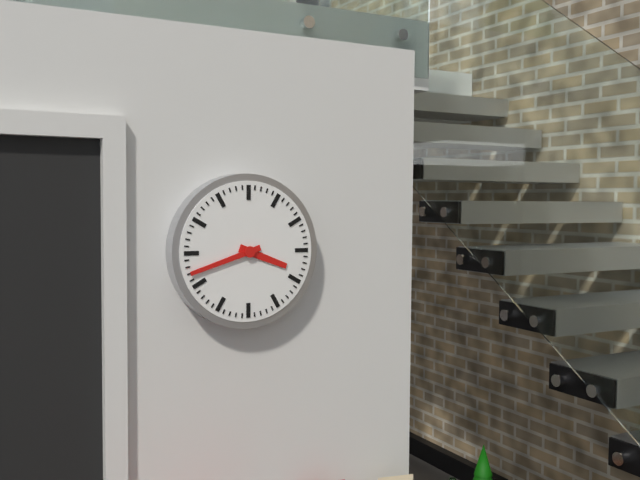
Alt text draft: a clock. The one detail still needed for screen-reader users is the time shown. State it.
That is 3:42
